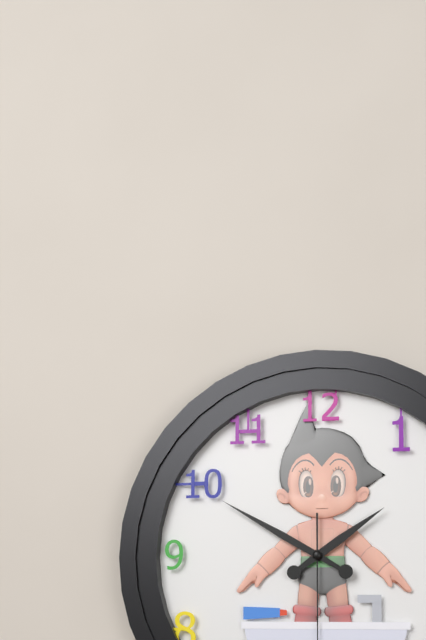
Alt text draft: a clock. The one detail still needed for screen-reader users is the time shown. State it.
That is 1:50
